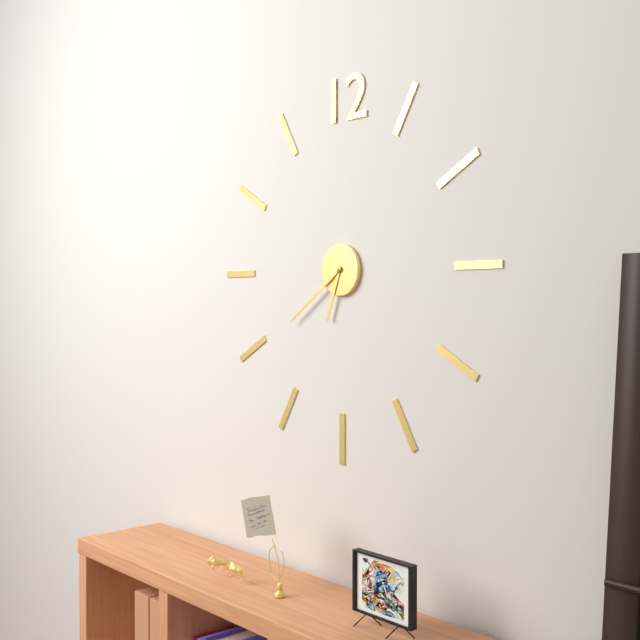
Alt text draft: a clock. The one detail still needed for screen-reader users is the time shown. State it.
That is 6:39
